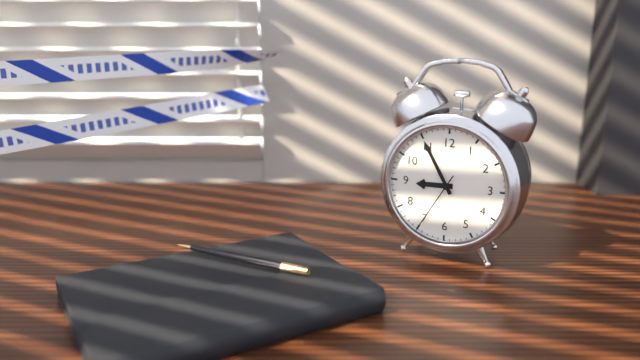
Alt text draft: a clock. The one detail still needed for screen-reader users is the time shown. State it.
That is 8:55:35
